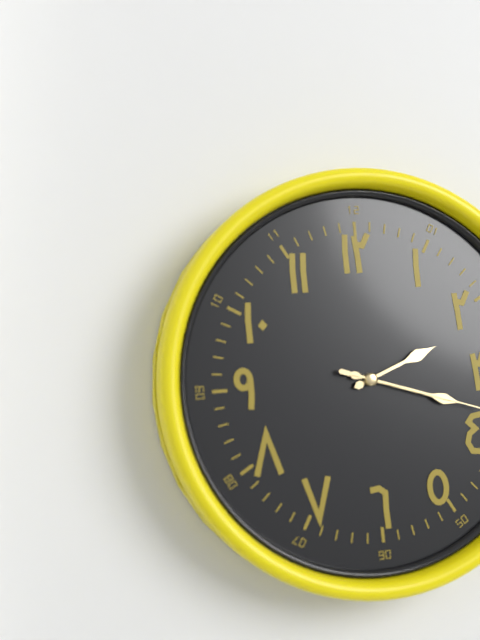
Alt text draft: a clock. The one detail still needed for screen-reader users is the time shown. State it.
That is 2:18
